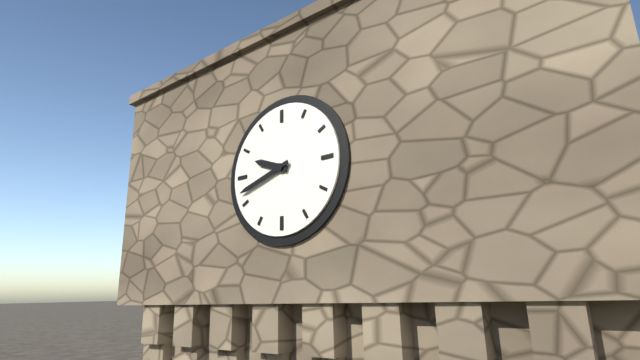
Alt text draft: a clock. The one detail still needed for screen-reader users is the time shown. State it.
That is 9:42
